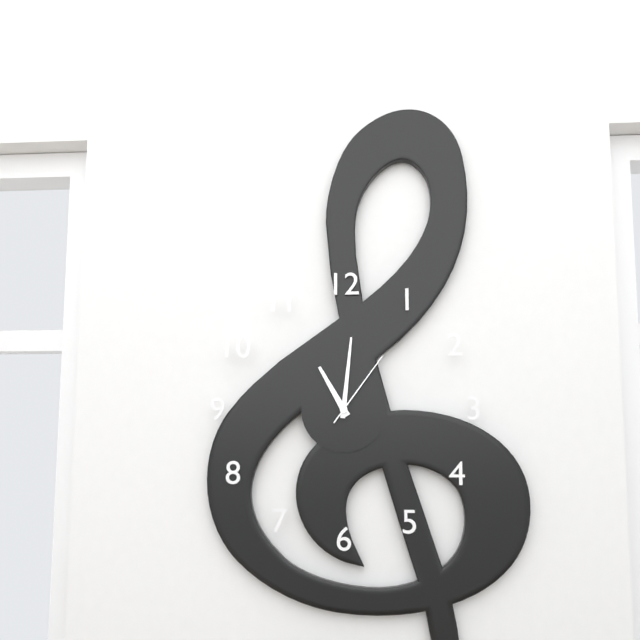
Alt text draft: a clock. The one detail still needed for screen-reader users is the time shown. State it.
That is 11:01:06
